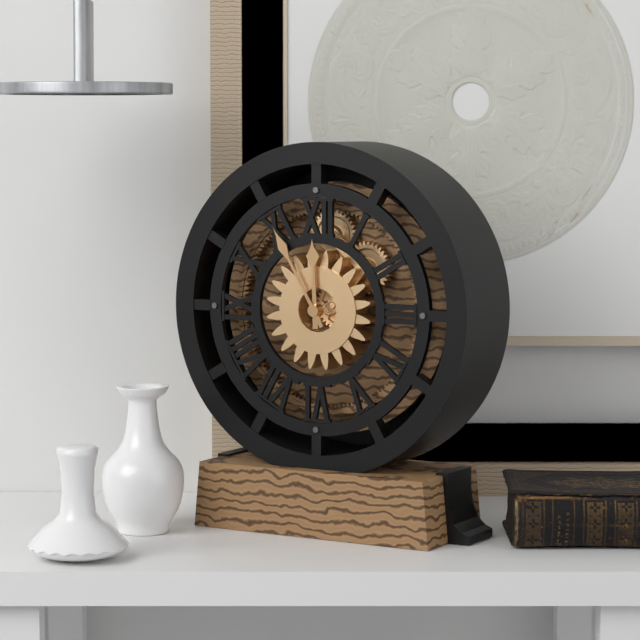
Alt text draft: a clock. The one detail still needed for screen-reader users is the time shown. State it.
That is 11:55
